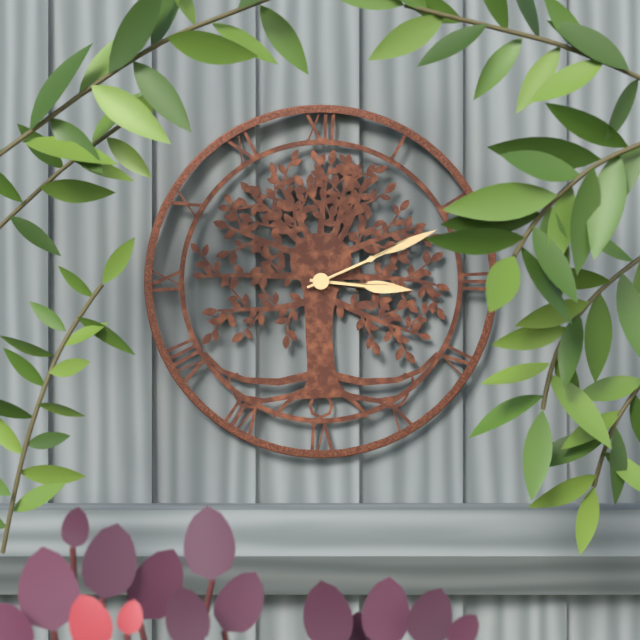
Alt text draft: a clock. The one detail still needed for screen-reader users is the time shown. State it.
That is 3:11
